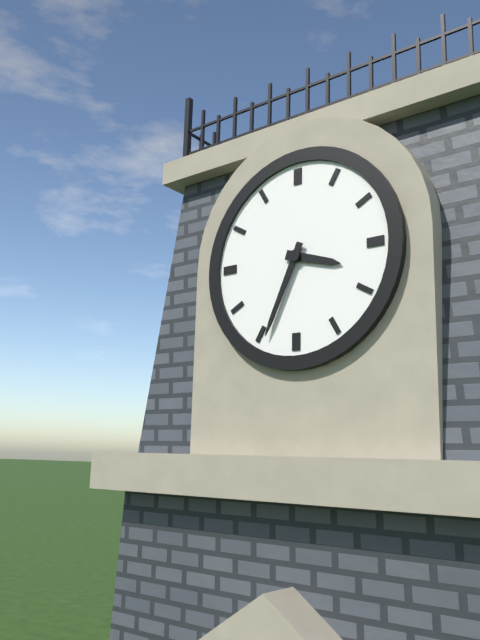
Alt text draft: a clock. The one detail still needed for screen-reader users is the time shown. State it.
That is 3:34
